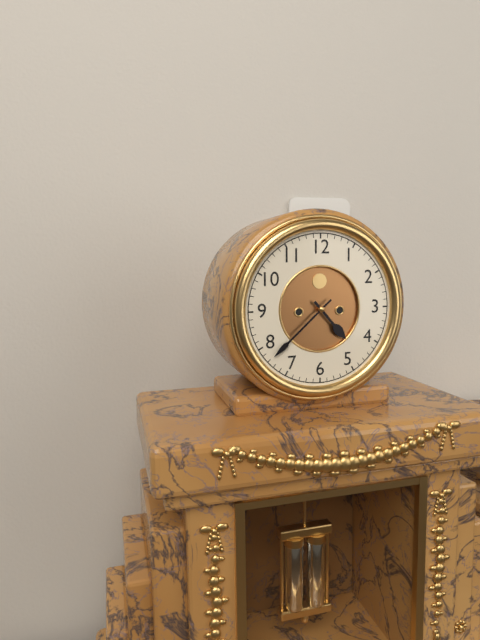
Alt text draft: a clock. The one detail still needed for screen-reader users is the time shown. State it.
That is 4:38
